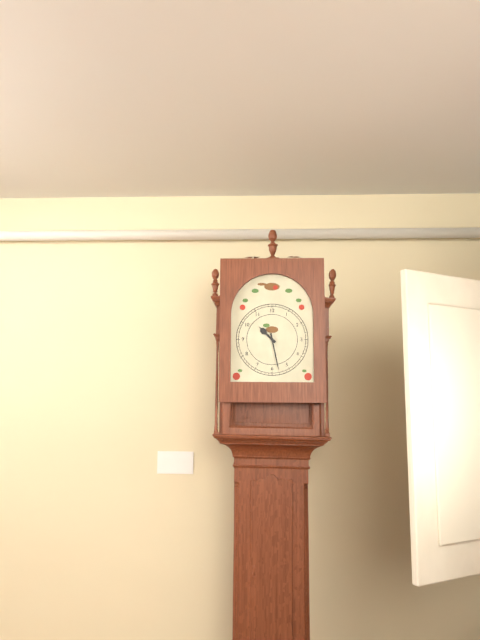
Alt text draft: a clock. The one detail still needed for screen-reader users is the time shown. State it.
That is 10:28
